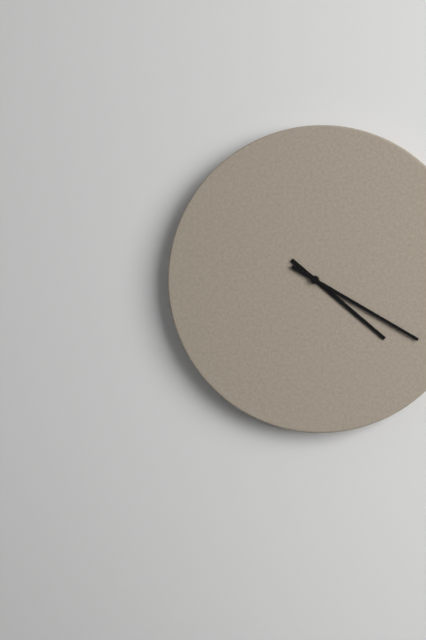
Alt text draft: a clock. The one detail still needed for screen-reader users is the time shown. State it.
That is 4:20
